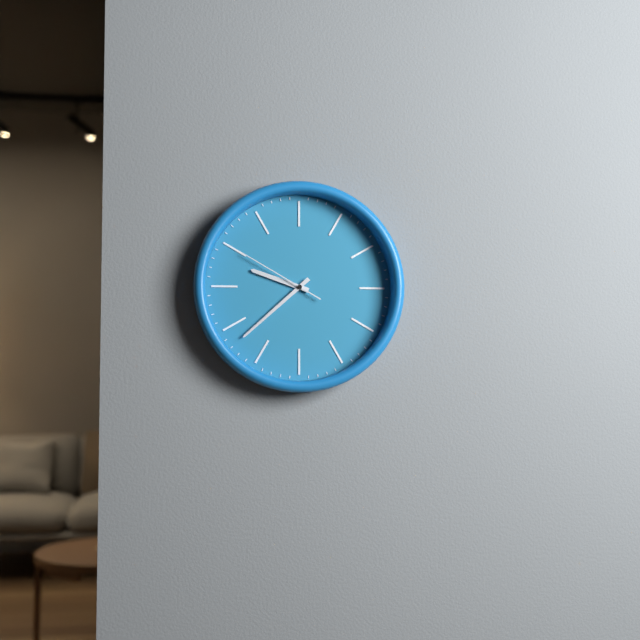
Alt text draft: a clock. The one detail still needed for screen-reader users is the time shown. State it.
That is 9:38:50
